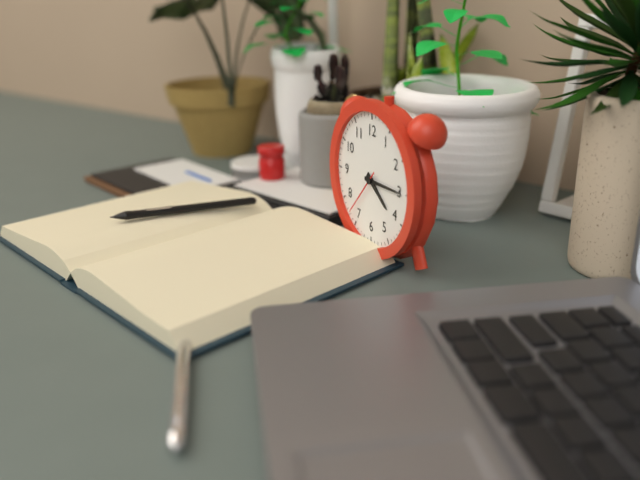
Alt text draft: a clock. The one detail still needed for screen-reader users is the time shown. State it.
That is 4:15
